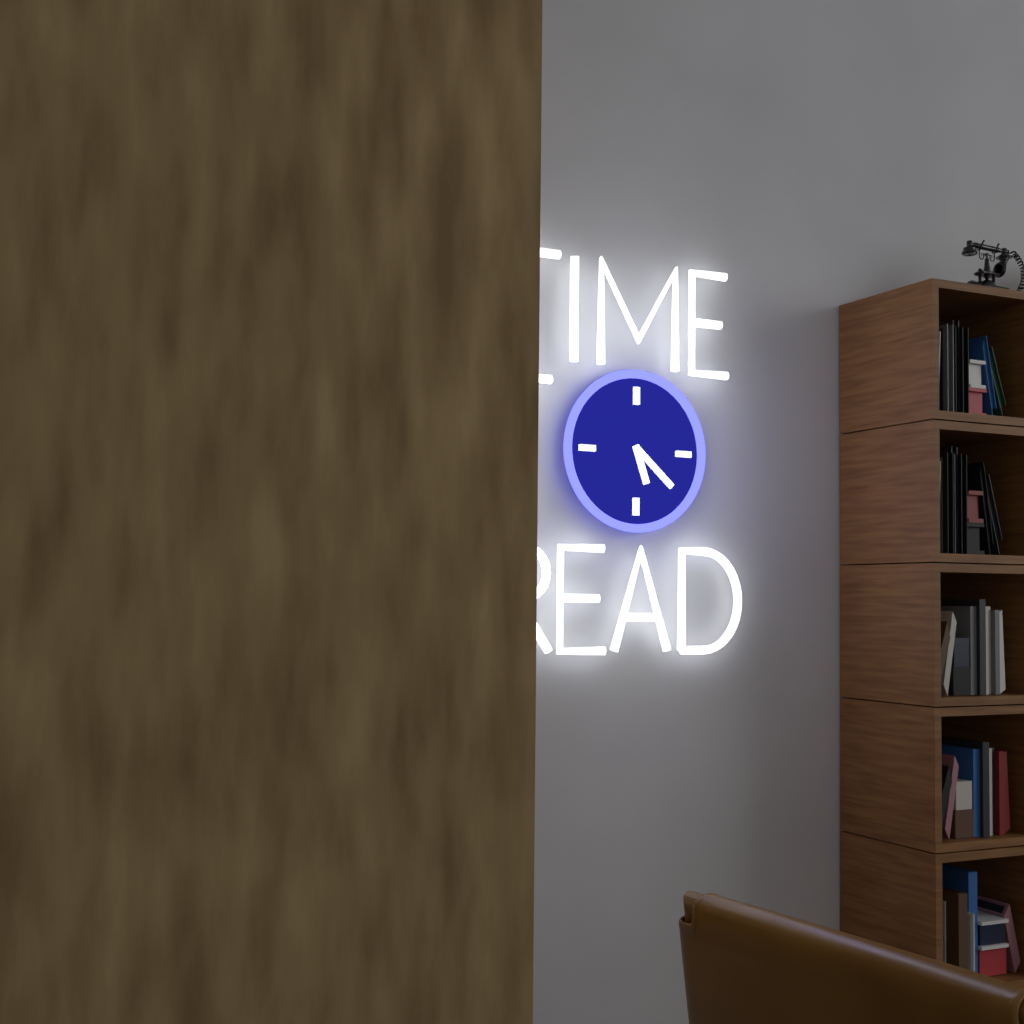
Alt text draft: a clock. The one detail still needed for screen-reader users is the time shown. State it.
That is 5:22
